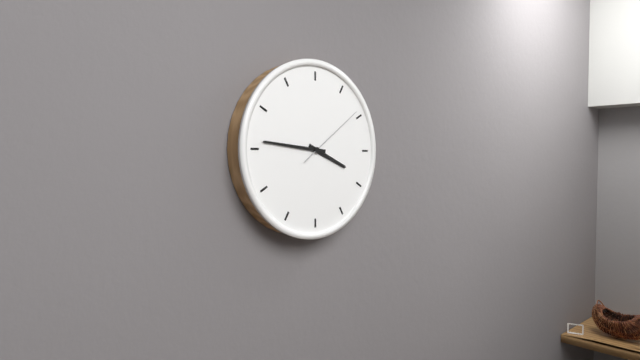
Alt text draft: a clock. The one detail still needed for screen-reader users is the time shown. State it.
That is 3:46:09
